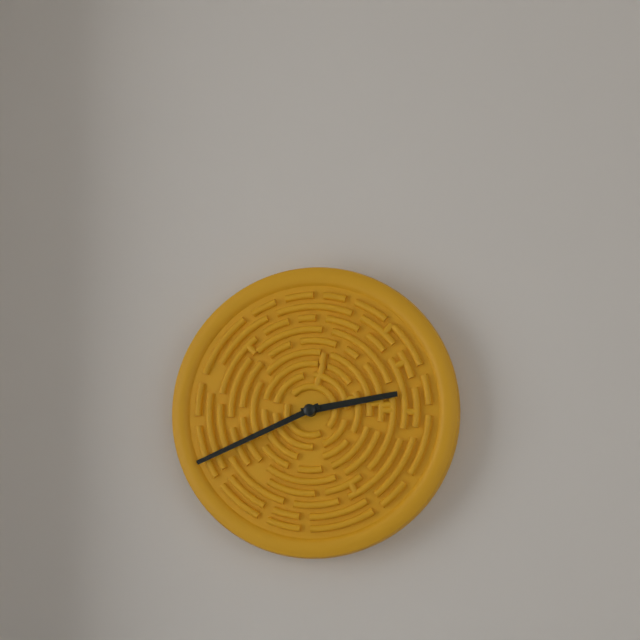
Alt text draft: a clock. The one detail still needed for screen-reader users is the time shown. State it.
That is 2:41
